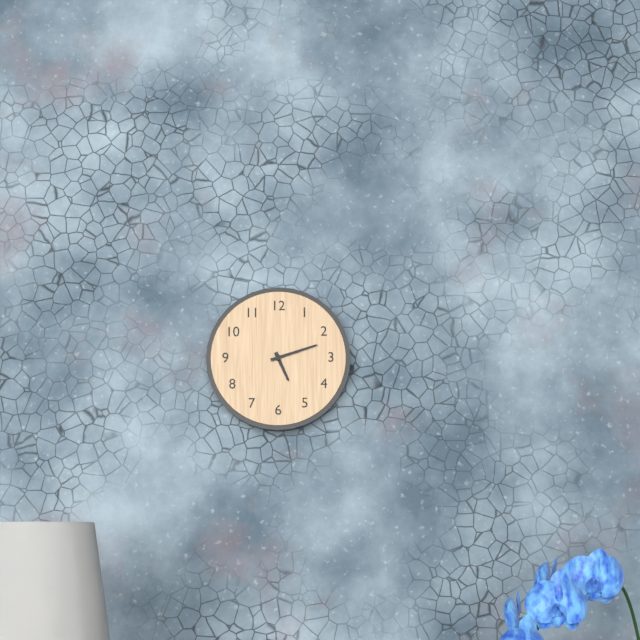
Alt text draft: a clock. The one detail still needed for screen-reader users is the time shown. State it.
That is 5:12
